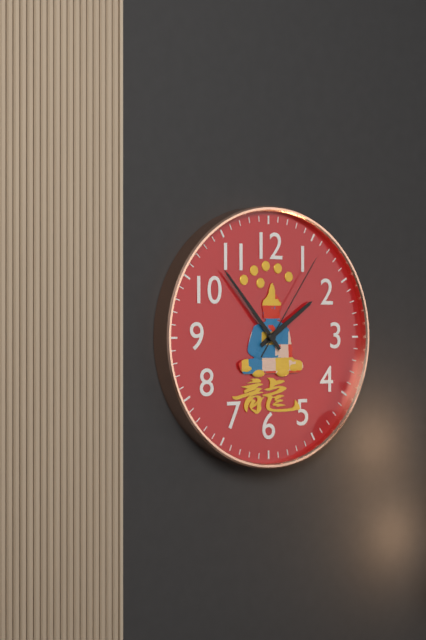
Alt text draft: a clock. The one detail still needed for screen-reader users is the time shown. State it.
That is 1:53:06
